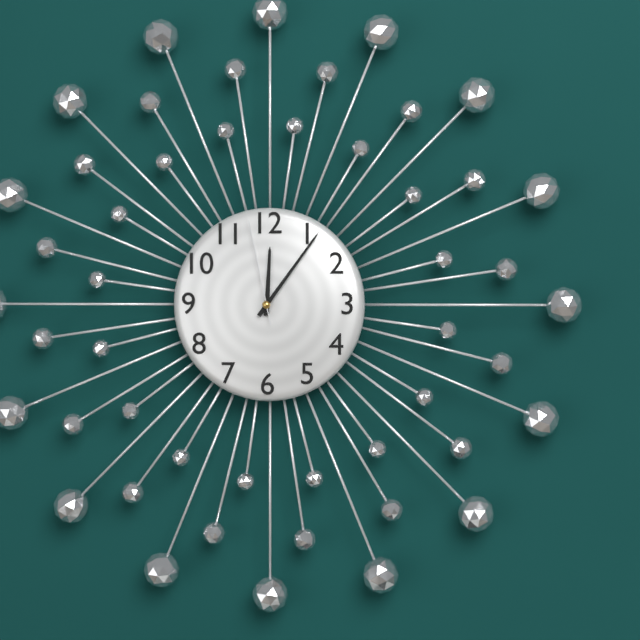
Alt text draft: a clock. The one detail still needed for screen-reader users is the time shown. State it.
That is 12:06:58
